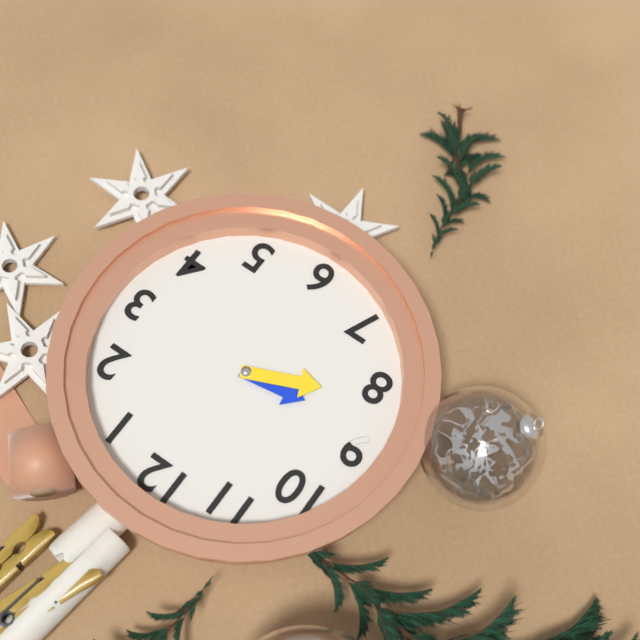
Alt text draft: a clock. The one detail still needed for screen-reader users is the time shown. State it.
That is 8:41
